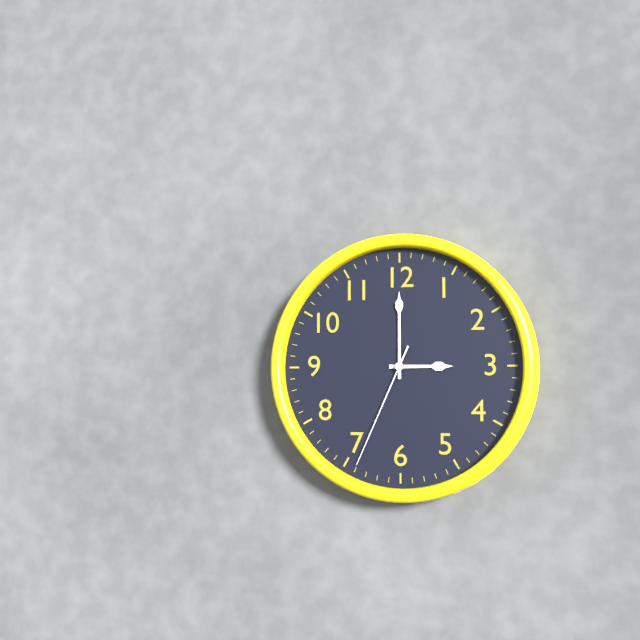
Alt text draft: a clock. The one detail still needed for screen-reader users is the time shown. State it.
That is 3:00:34
